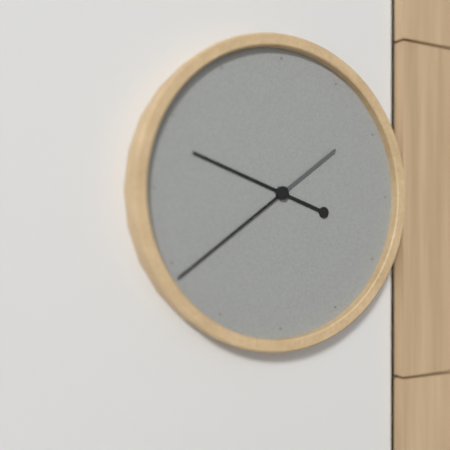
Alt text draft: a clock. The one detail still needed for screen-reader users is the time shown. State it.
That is 9:39
